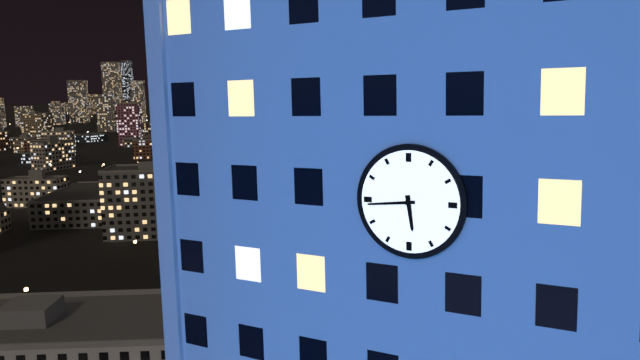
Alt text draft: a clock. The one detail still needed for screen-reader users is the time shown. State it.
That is 5:44
